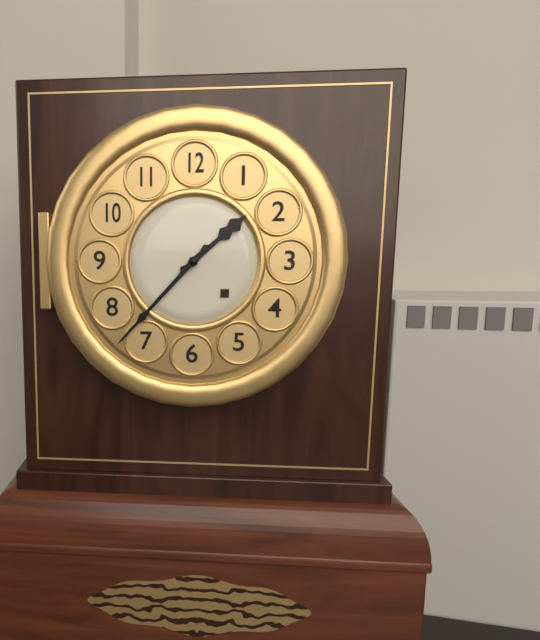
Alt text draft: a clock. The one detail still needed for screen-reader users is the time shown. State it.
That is 1:37
